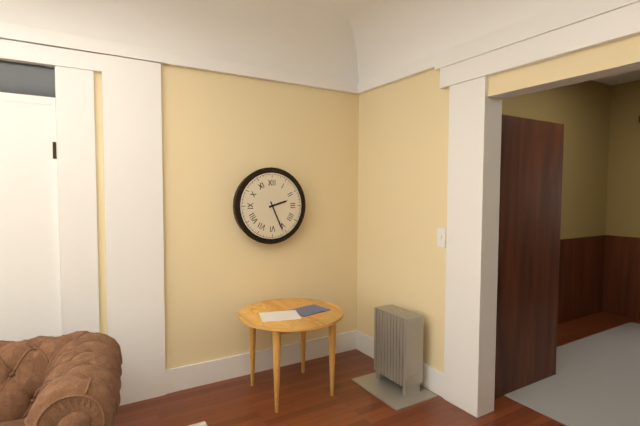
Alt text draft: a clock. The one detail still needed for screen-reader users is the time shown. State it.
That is 2:26
